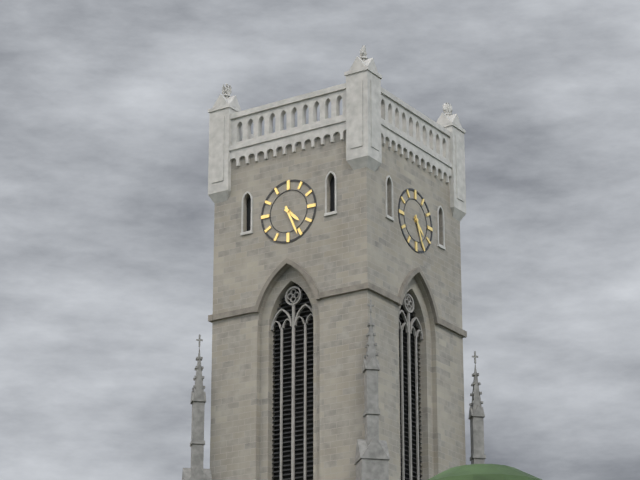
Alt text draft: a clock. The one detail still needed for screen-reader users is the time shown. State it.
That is 4:26
